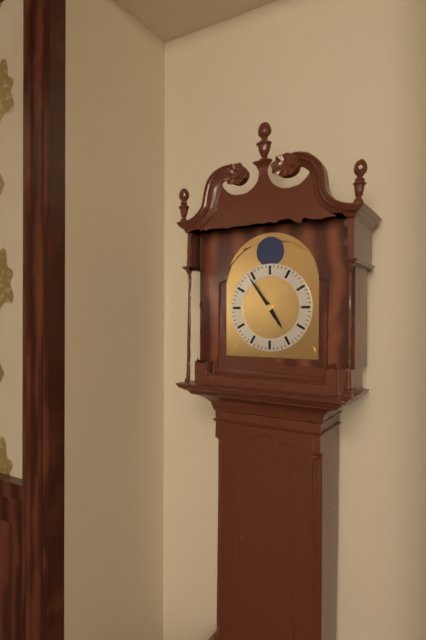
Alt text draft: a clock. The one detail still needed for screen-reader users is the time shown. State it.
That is 4:54
